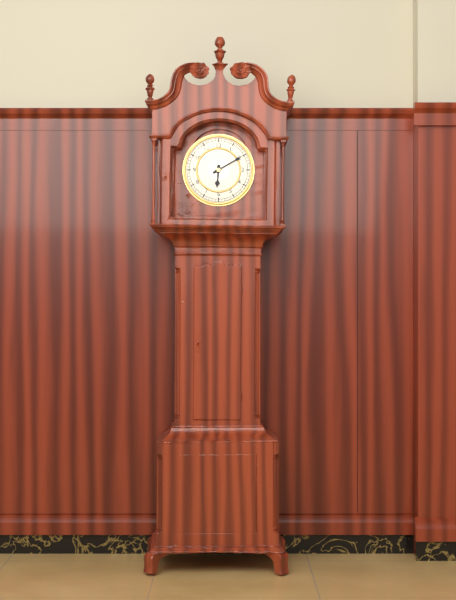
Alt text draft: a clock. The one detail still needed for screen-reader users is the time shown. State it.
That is 6:10
